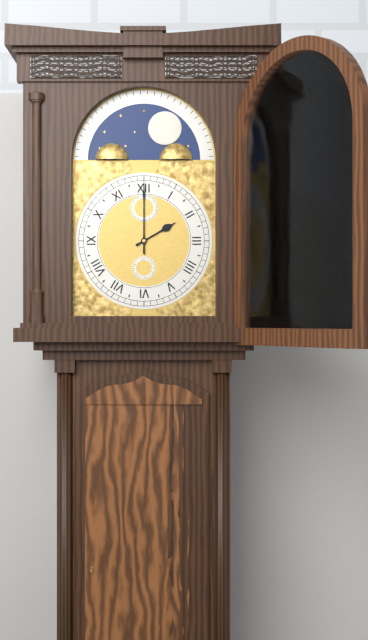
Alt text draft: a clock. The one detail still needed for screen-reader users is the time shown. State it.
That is 2:00
